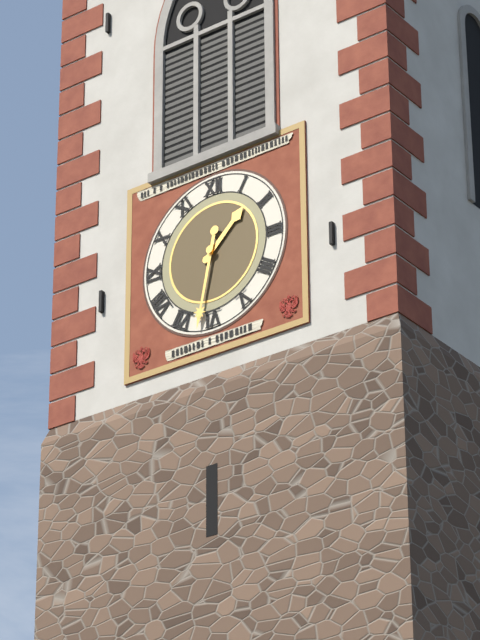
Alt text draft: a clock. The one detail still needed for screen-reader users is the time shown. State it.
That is 1:32
